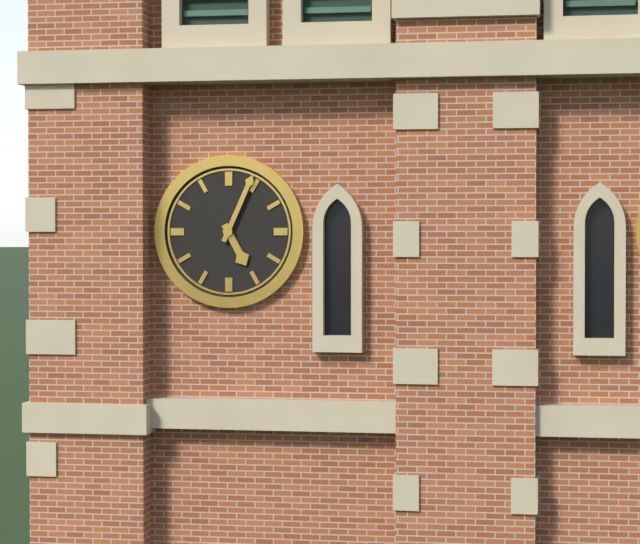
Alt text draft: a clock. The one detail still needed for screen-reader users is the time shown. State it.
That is 5:04
